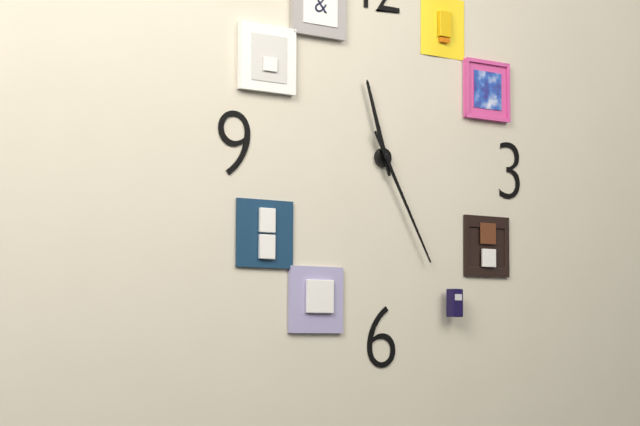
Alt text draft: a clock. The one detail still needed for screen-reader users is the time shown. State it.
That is 11:25
